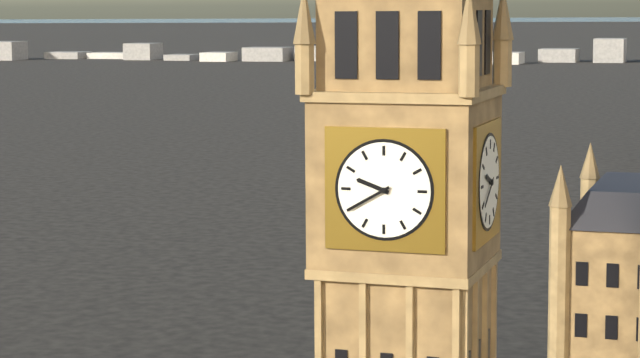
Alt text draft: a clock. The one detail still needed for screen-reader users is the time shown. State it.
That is 9:40
